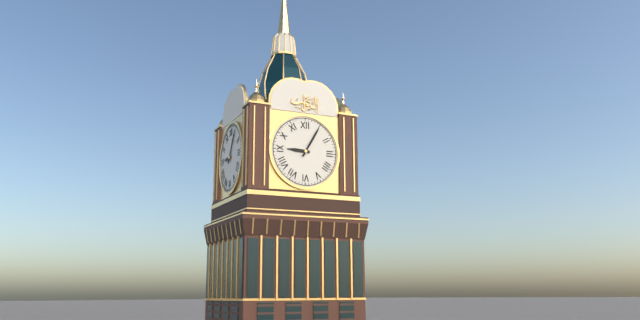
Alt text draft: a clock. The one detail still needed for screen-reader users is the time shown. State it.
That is 9:05
